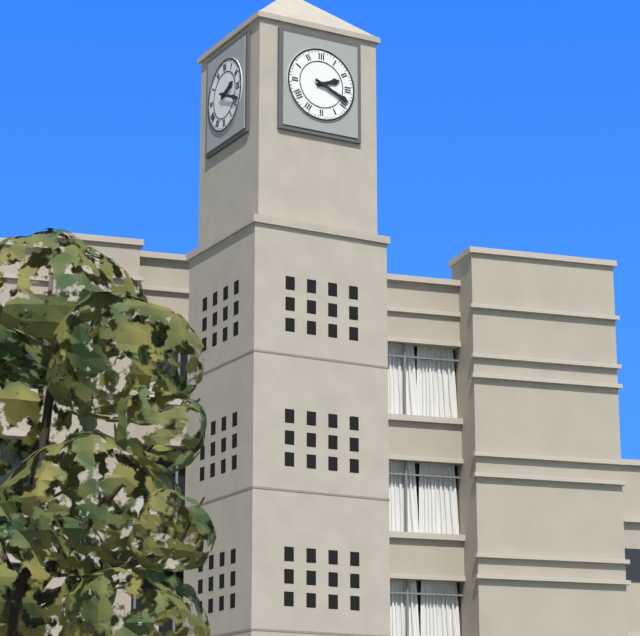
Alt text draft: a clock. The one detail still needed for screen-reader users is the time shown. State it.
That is 2:19
